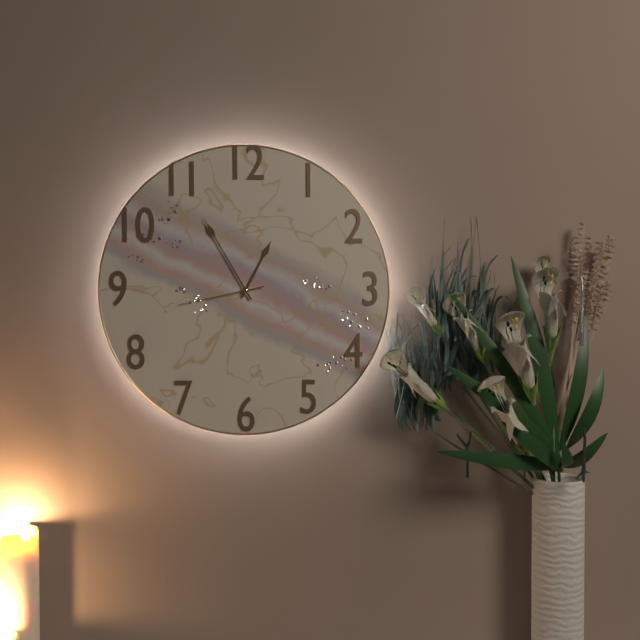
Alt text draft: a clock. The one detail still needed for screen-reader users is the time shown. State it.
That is 12:55:43
